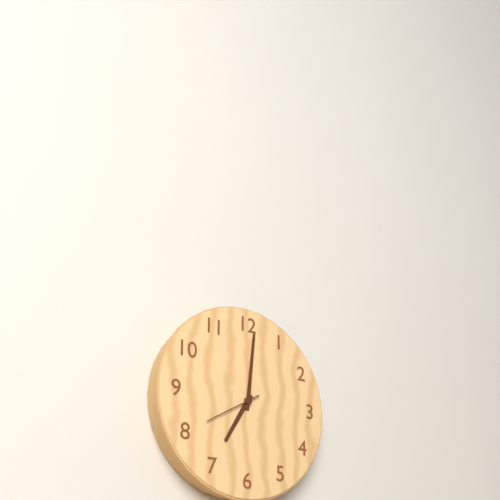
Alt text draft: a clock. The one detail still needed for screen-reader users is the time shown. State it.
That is 7:01:40
